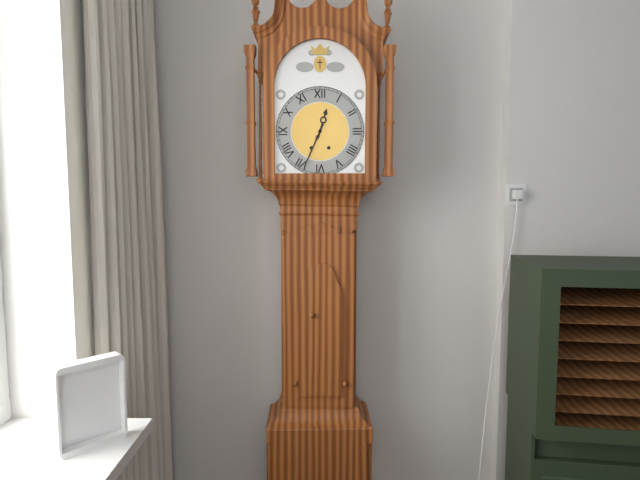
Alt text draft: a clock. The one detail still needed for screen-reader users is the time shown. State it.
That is 12:34
